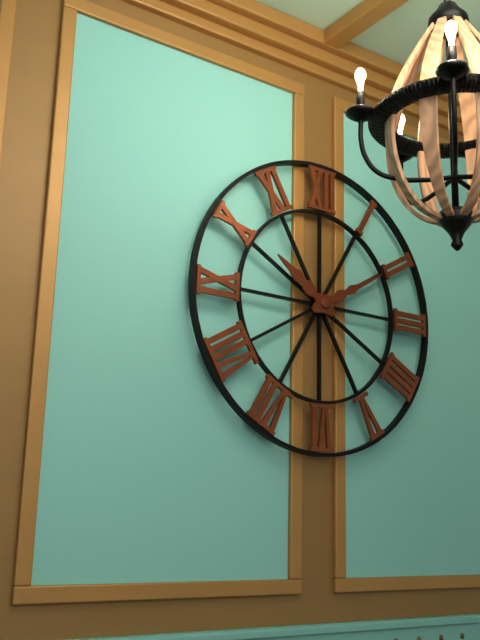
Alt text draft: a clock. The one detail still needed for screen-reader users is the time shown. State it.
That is 10:10
